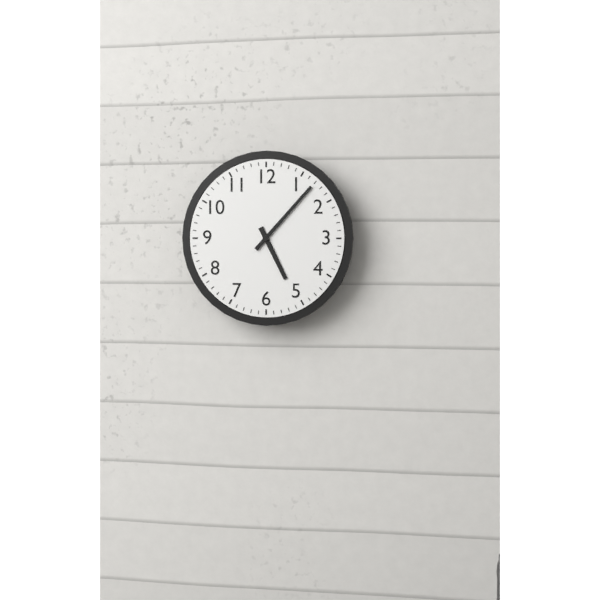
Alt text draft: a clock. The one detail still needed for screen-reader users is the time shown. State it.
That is 5:07
